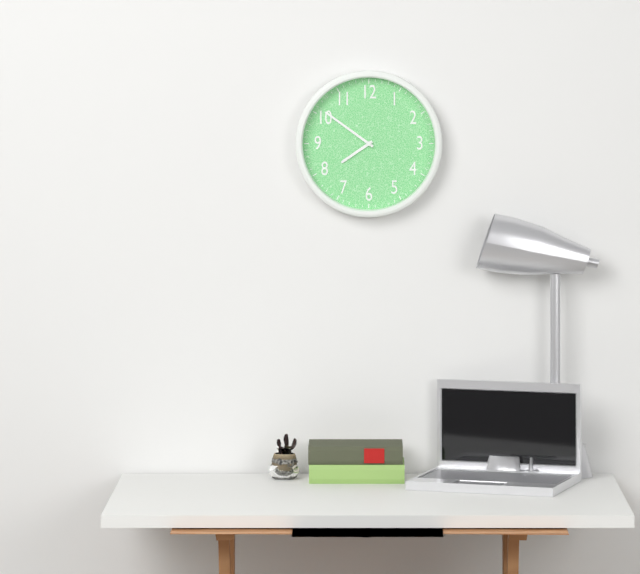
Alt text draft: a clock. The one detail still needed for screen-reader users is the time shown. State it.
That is 7:51
